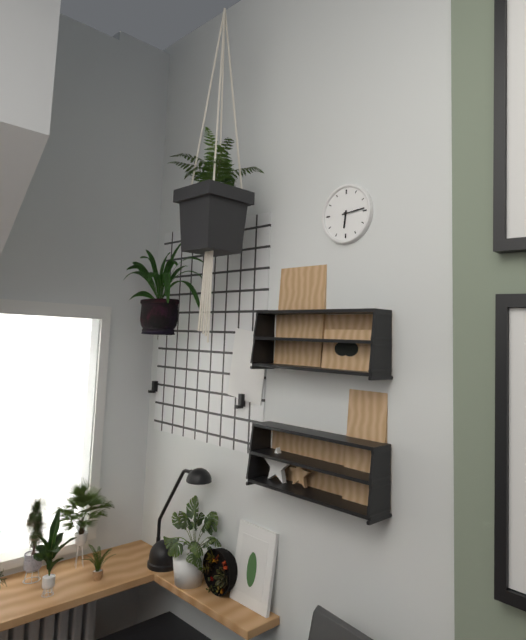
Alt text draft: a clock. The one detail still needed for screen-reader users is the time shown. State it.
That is 6:14
